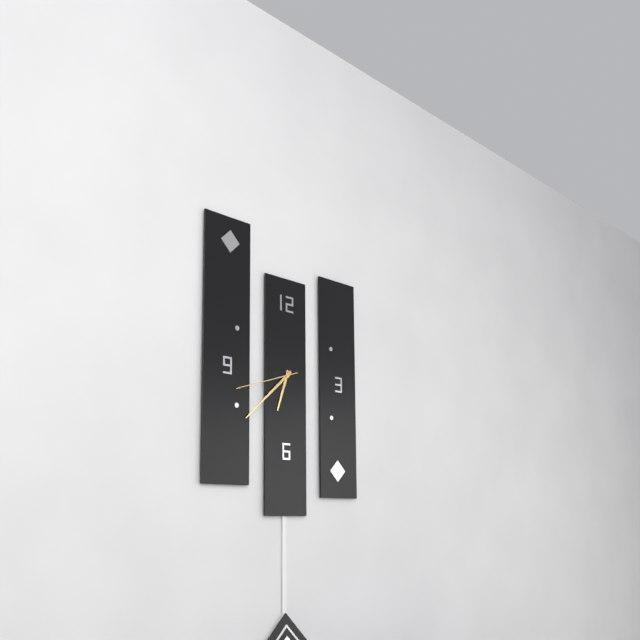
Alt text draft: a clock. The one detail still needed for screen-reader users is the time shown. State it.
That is 6:38:42
